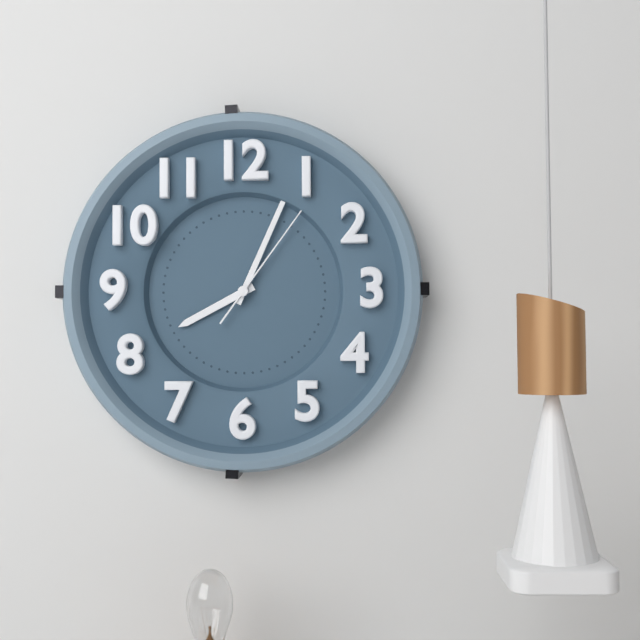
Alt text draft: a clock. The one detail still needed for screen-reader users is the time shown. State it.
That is 8:04:06
